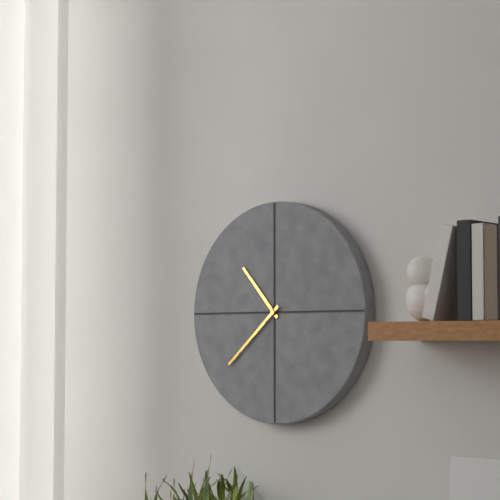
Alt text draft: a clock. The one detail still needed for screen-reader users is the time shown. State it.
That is 10:38
